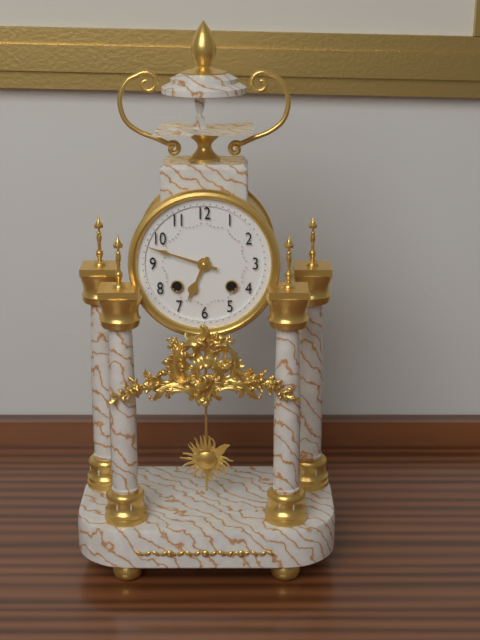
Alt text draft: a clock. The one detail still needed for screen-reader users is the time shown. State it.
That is 6:48
